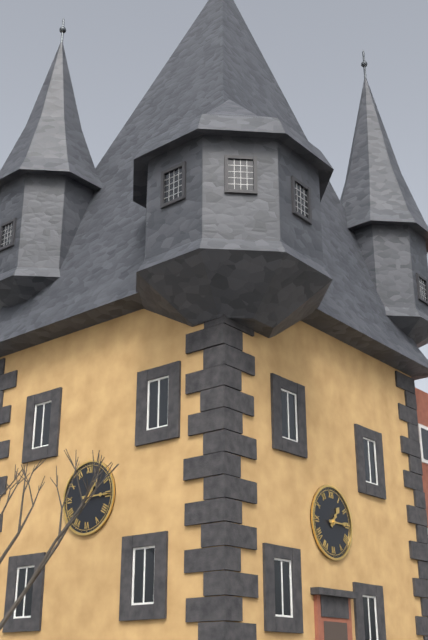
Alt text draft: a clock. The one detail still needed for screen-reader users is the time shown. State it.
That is 1:15
